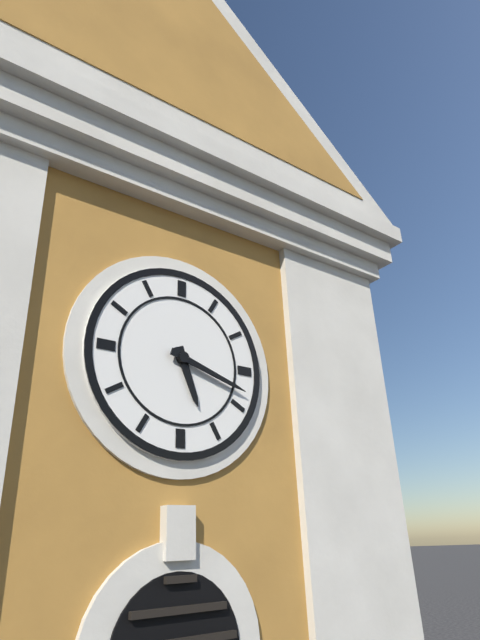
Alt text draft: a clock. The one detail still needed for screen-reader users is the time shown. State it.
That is 5:18
